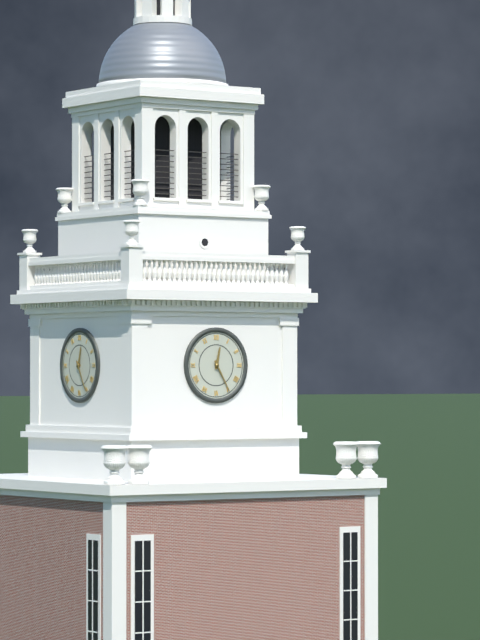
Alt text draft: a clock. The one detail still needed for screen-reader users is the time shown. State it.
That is 12:25
